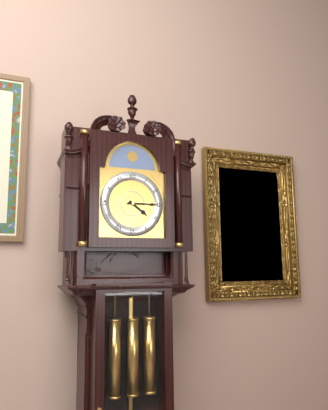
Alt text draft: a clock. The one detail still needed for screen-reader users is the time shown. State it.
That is 4:15
